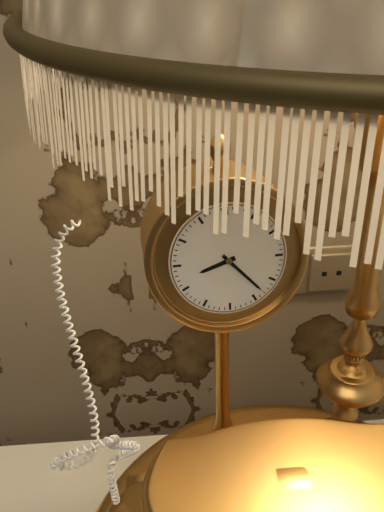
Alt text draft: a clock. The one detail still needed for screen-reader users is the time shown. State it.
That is 8:23
